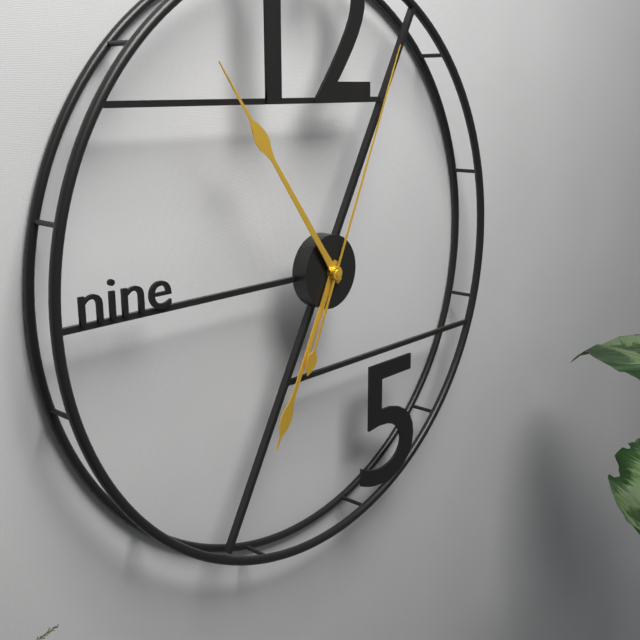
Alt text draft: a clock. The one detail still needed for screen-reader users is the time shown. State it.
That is 6:54:04
